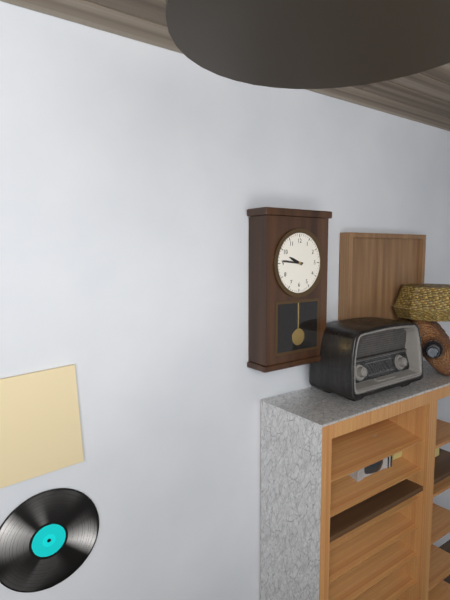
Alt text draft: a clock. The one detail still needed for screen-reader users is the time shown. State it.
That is 9:46
